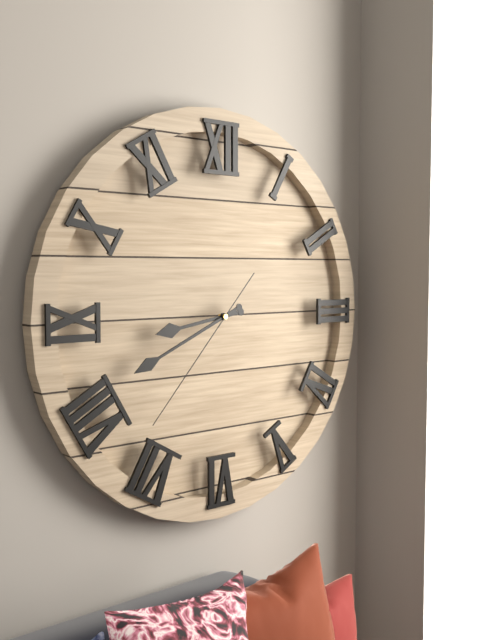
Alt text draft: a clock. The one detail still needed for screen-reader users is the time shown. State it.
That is 8:41:37
